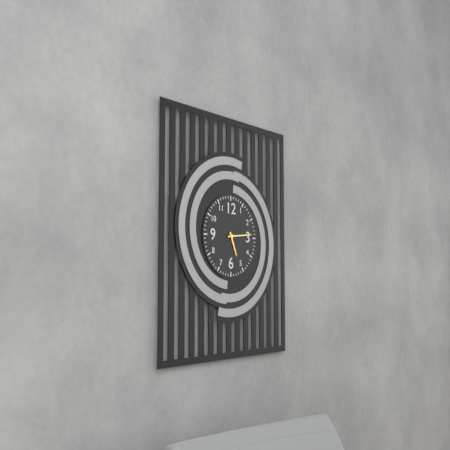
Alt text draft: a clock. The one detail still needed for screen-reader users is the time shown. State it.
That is 5:14
